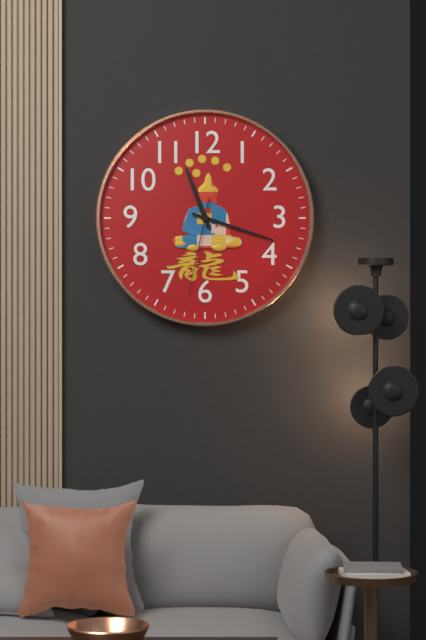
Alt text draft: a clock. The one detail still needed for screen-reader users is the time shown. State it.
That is 11:18:32
